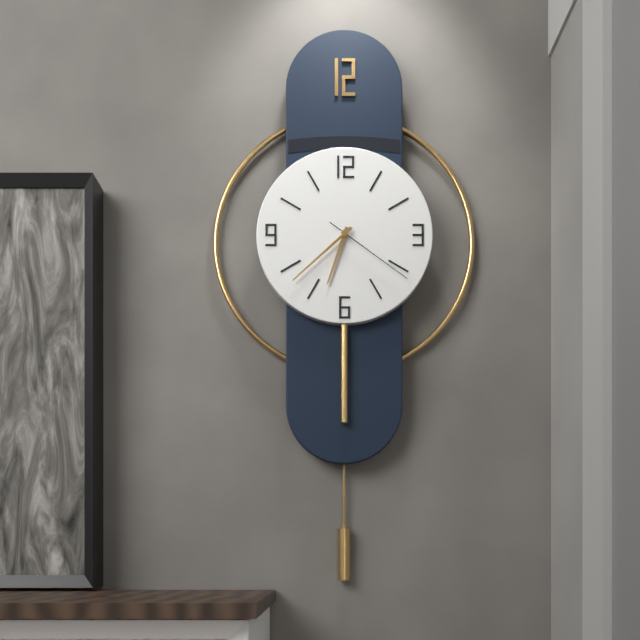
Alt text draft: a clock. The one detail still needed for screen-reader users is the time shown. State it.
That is 6:38:21
